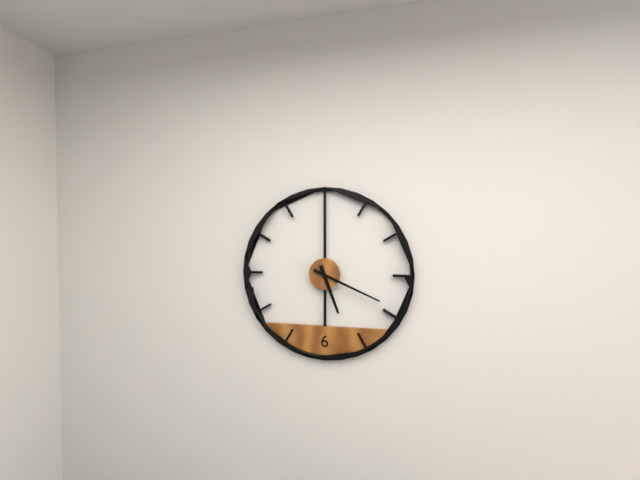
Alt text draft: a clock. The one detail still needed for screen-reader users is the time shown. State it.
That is 5:19
